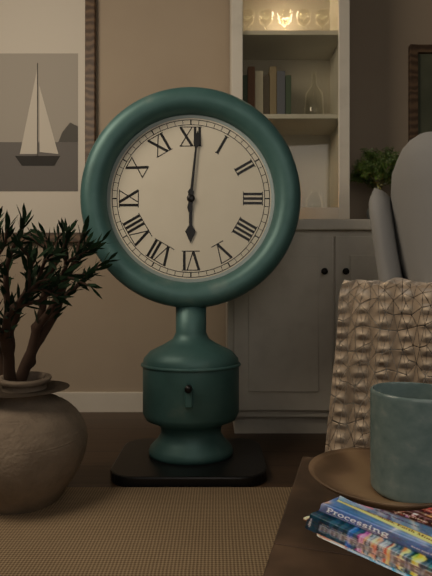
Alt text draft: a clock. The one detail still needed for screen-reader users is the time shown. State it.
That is 6:01
